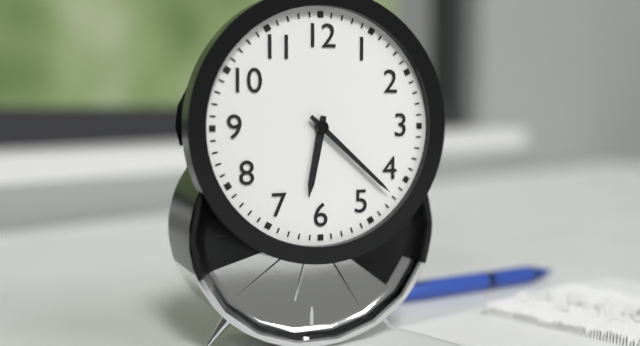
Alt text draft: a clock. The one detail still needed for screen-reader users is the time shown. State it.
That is 6:22
